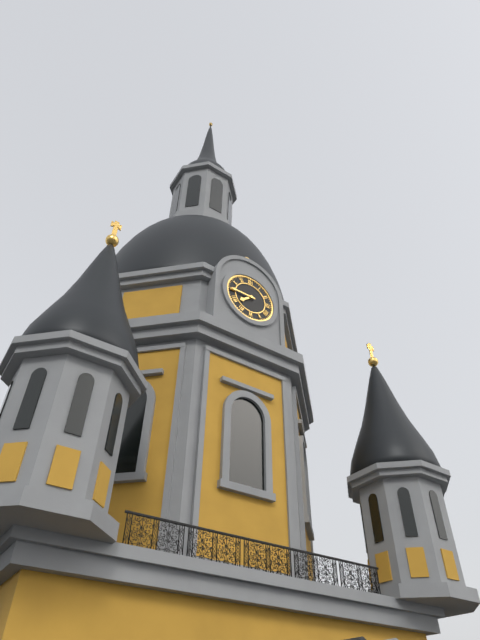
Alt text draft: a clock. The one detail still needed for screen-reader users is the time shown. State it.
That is 7:45
